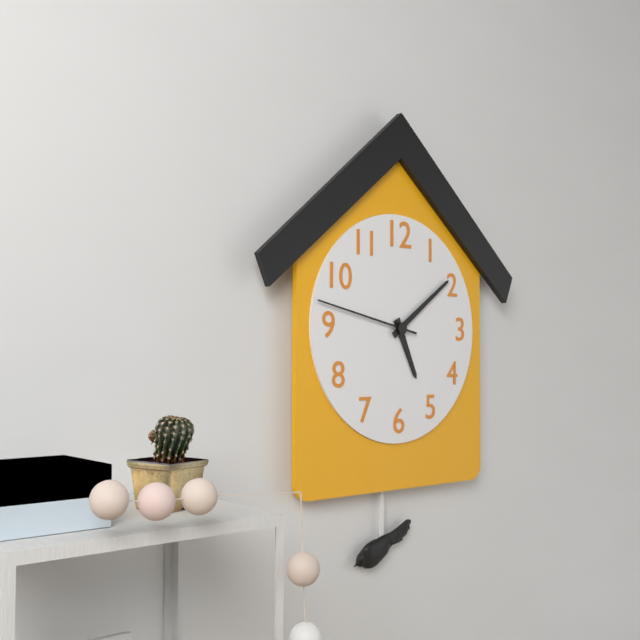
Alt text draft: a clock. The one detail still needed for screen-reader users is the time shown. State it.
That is 5:09:47
